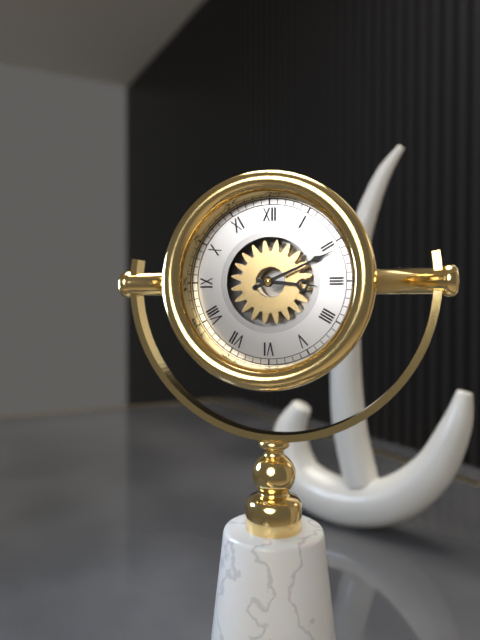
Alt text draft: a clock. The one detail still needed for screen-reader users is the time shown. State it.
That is 3:11
